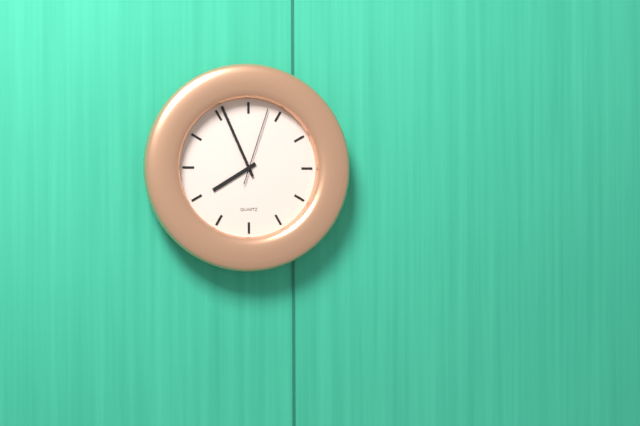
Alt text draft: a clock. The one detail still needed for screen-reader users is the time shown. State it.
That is 7:56:03
